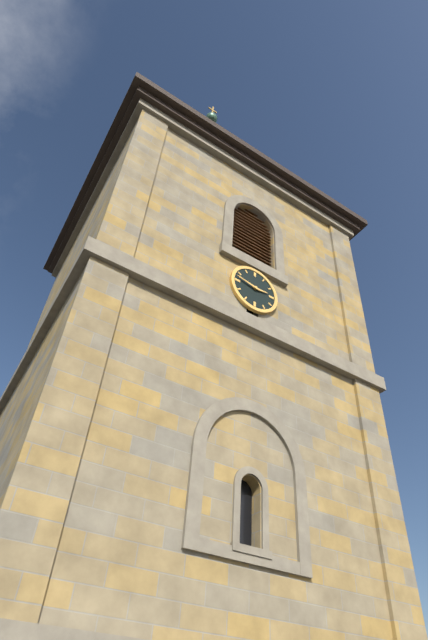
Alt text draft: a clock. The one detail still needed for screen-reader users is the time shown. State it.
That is 2:47
